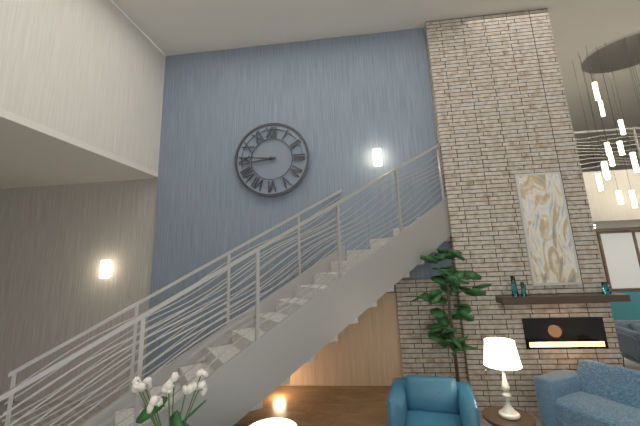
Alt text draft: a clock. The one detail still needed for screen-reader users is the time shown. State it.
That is 8:46
